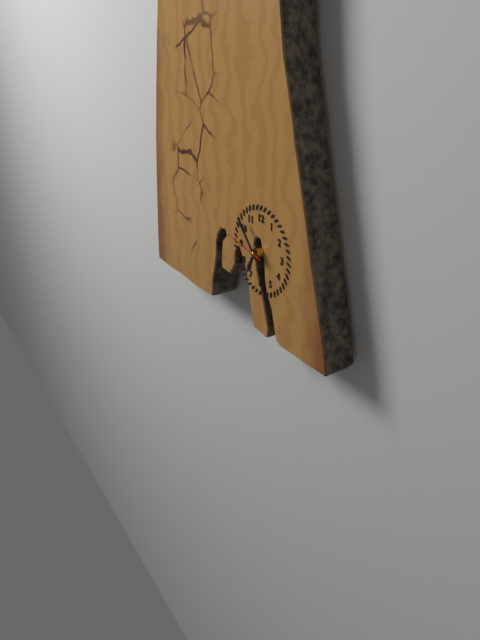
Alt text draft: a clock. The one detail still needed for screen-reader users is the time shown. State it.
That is 6:53
